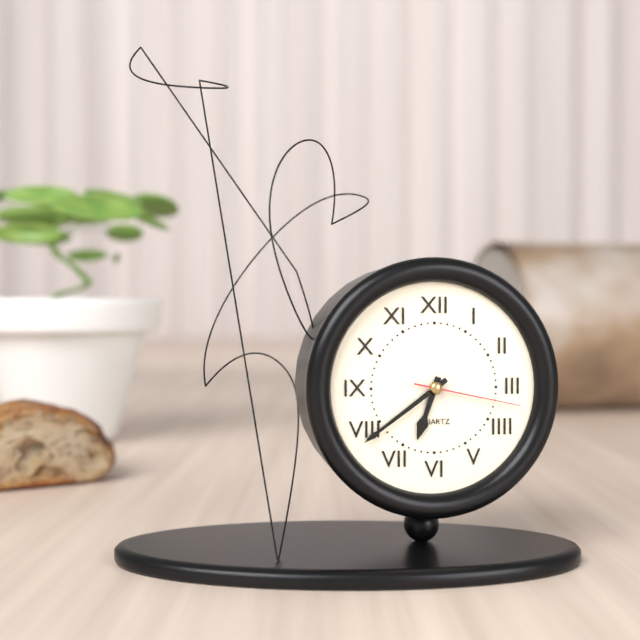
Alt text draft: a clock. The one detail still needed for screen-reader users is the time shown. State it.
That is 6:39:17
